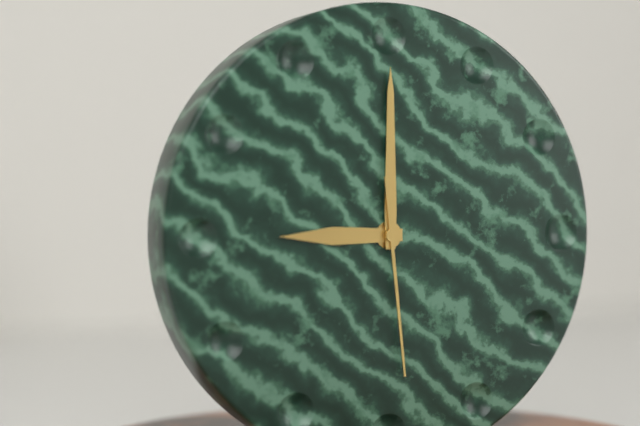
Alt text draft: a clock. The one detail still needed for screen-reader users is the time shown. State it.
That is 9:00:29
